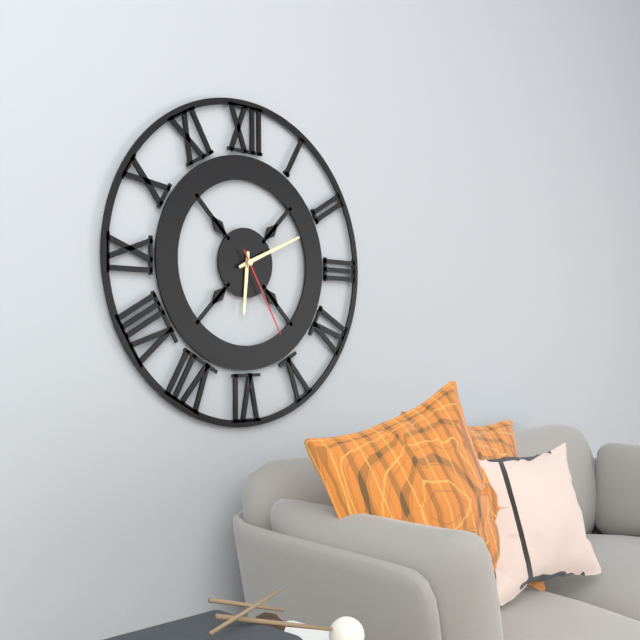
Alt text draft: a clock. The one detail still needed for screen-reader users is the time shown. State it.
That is 6:11:25
